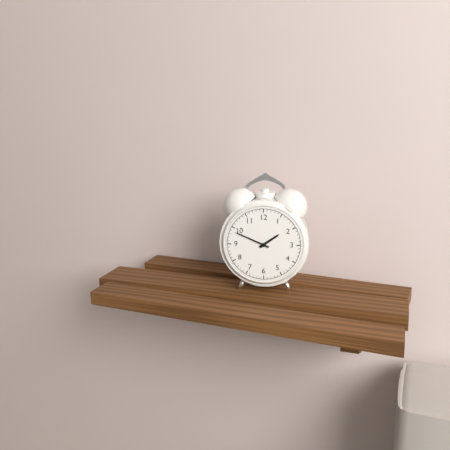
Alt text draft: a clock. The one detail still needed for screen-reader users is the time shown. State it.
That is 1:49
